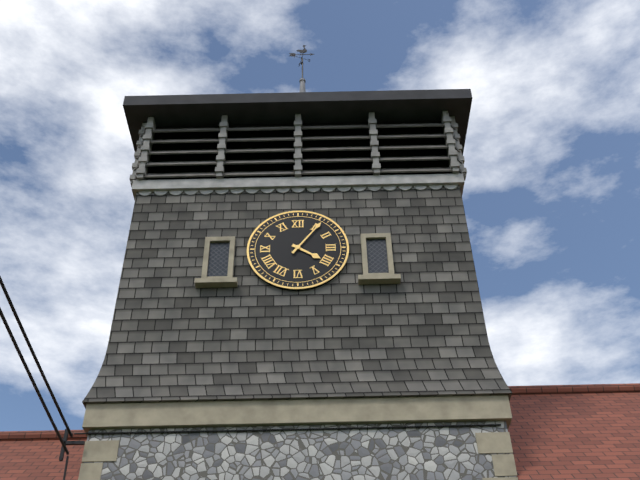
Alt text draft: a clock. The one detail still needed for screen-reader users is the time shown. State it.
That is 4:06
